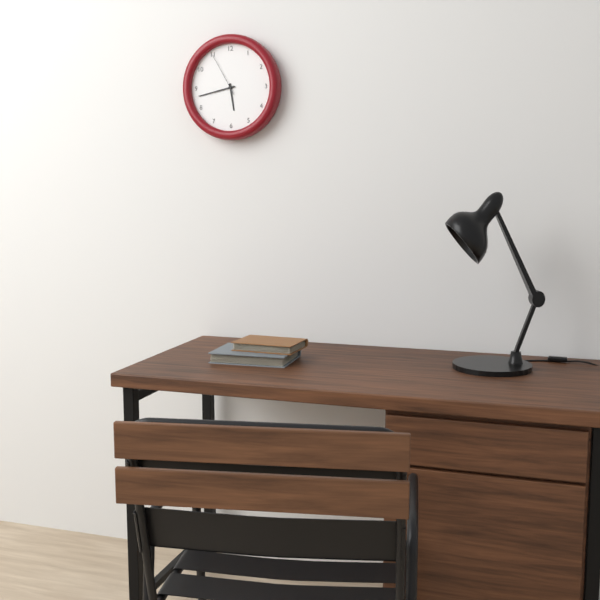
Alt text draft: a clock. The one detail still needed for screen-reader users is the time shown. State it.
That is 5:43
